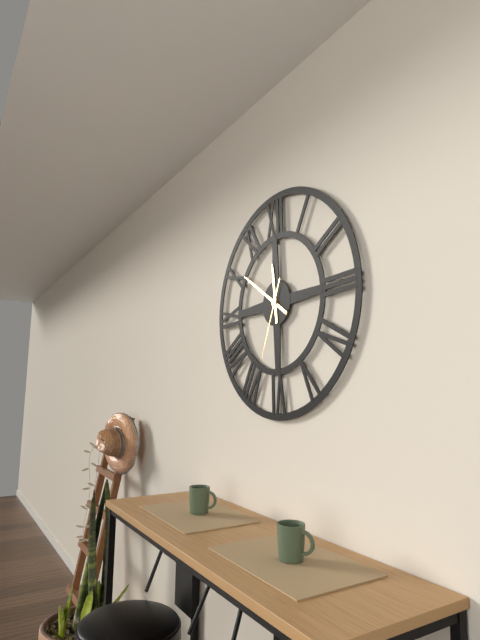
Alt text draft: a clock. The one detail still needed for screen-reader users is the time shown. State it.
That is 11:51:34
